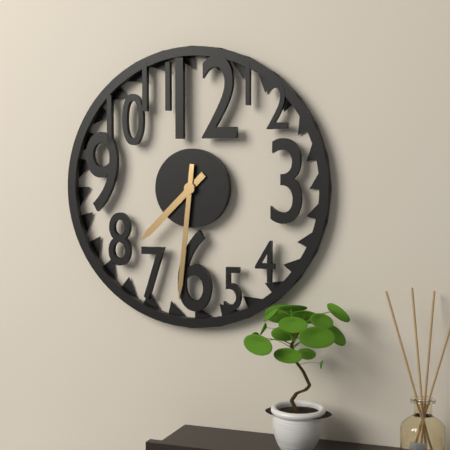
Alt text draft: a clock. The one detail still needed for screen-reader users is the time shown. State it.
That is 7:31
